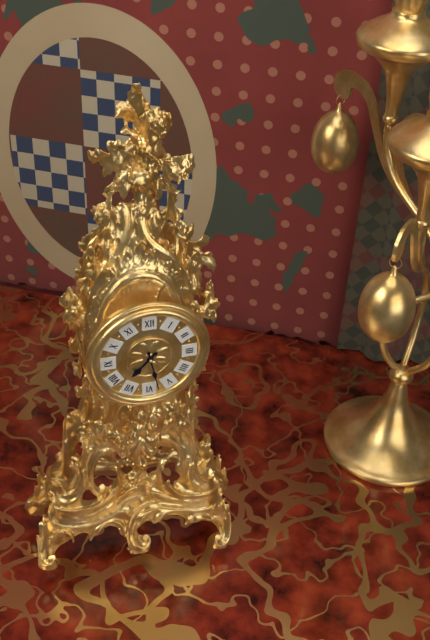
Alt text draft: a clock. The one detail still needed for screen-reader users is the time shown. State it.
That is 7:28
